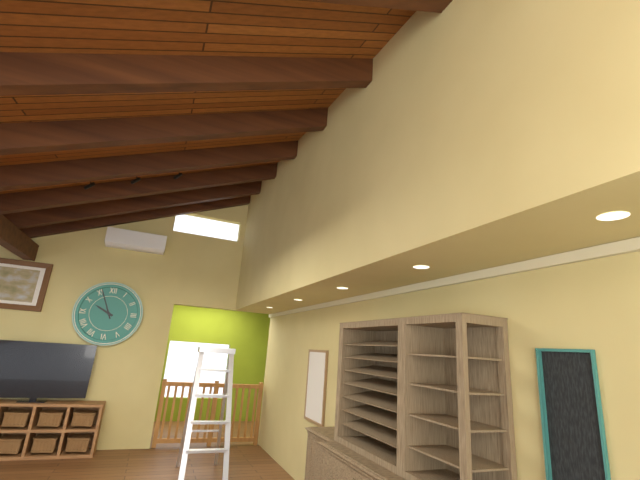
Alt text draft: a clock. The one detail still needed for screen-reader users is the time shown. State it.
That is 9:56
